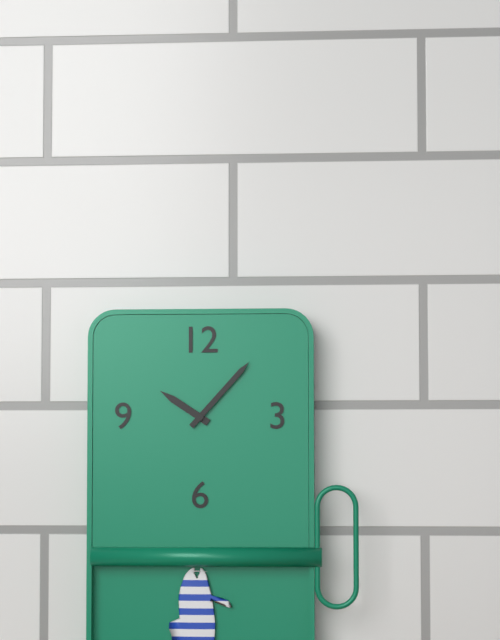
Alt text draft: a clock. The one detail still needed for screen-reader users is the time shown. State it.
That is 10:07
